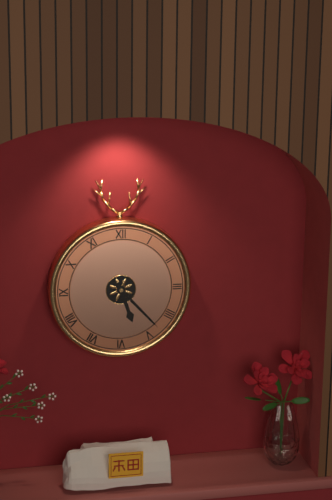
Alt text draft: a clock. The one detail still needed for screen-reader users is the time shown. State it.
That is 5:23
